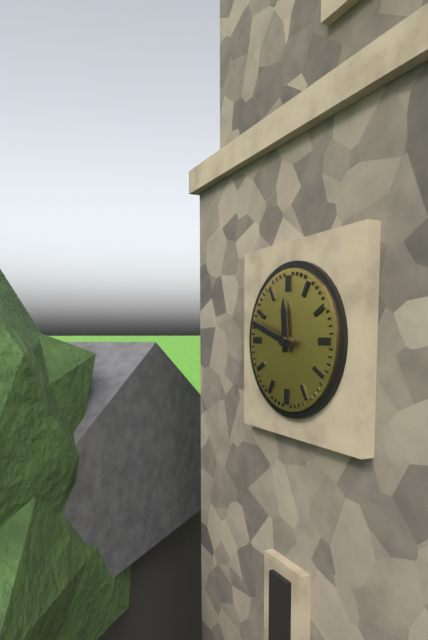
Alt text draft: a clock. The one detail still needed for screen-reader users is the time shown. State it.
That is 11:48
